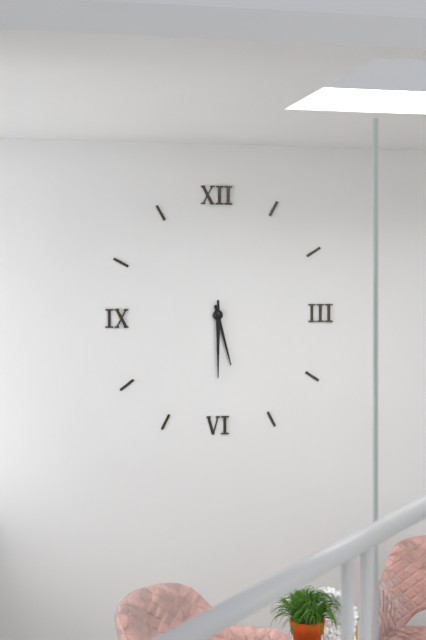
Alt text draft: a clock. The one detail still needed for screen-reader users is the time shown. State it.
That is 5:30
